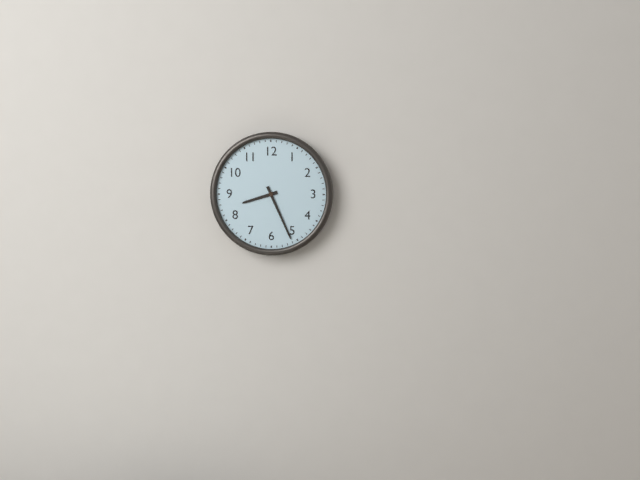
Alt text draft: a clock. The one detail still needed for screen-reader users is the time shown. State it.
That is 8:26
